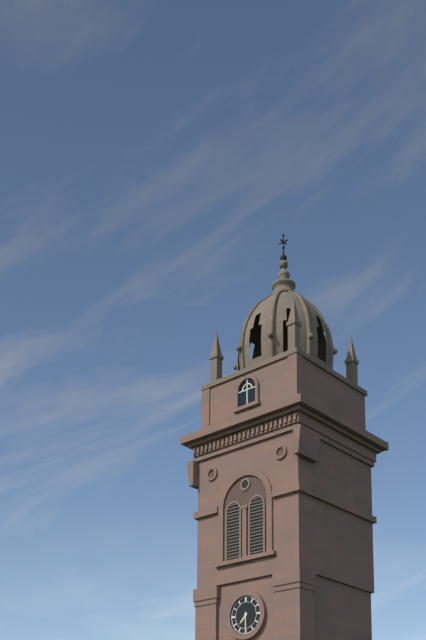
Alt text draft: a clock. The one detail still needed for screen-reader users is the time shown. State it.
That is 7:30
